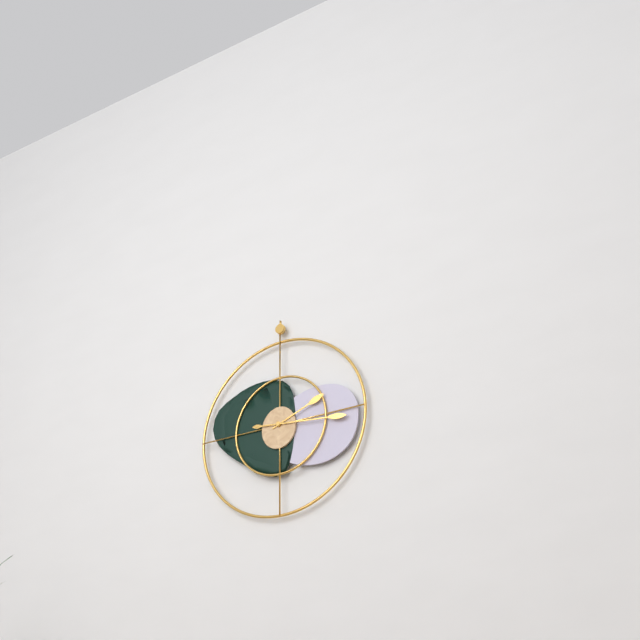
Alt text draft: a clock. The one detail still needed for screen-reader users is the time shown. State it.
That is 2:16
